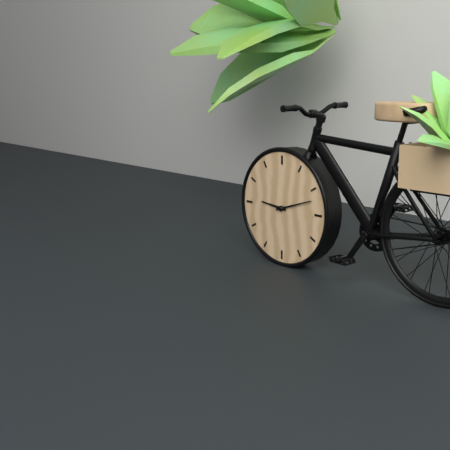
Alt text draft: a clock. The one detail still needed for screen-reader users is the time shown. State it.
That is 9:12
